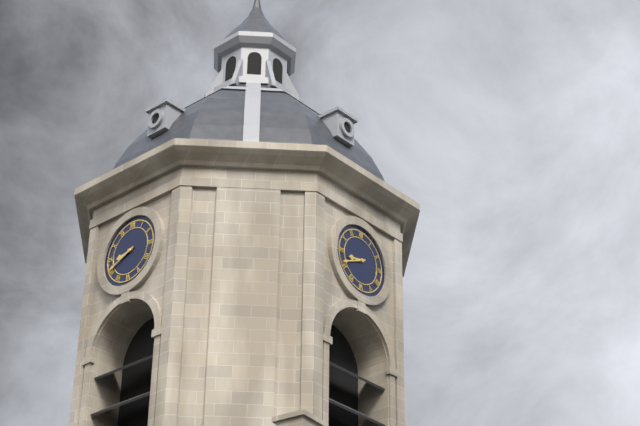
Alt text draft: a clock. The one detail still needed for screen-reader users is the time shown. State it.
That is 8:41
